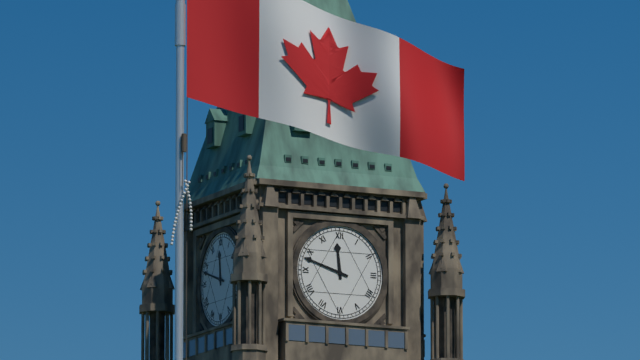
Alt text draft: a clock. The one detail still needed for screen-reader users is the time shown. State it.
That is 11:48
